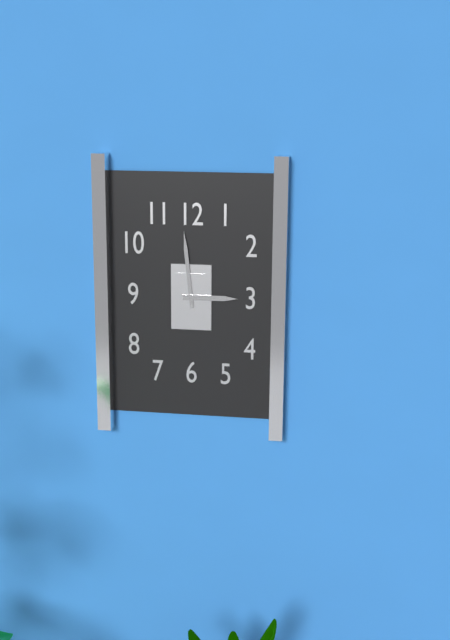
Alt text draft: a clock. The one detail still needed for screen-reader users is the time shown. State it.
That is 2:59
